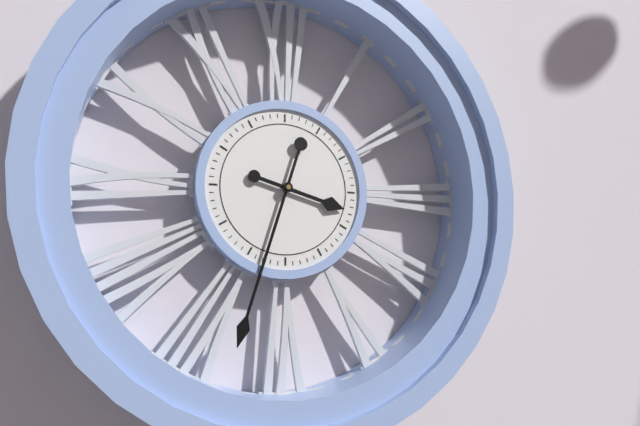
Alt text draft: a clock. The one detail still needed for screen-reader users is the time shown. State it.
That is 3:33
